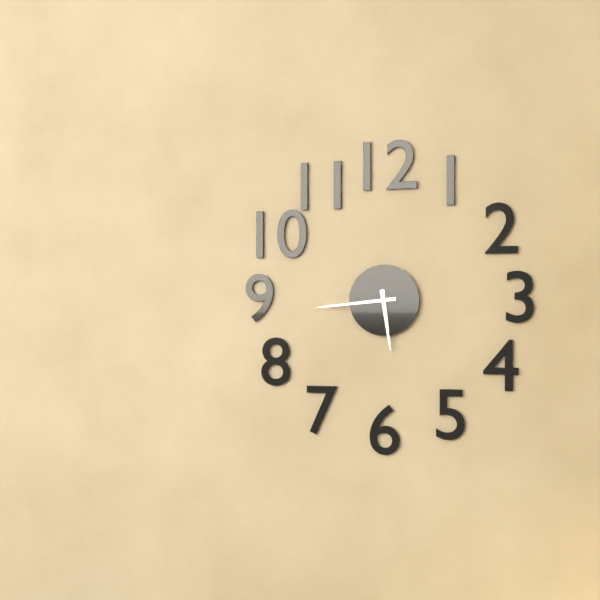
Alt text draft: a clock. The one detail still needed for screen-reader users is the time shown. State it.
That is 5:44
